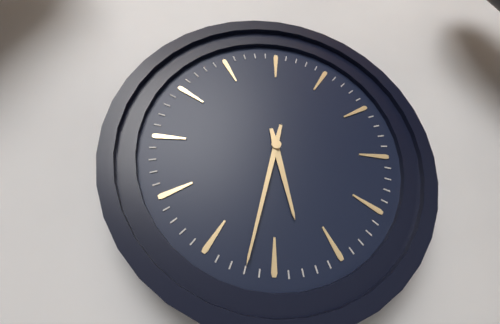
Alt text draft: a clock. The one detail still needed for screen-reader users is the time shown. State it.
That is 5:32
